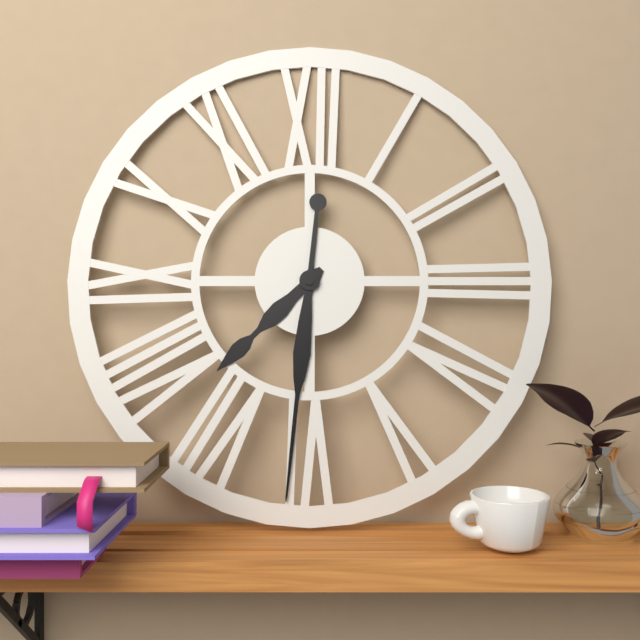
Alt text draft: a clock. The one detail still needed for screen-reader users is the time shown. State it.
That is 7:31
